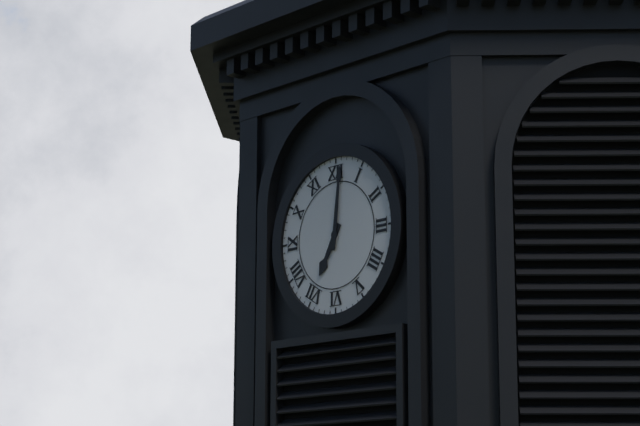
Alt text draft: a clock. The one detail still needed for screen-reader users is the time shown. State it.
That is 7:01
